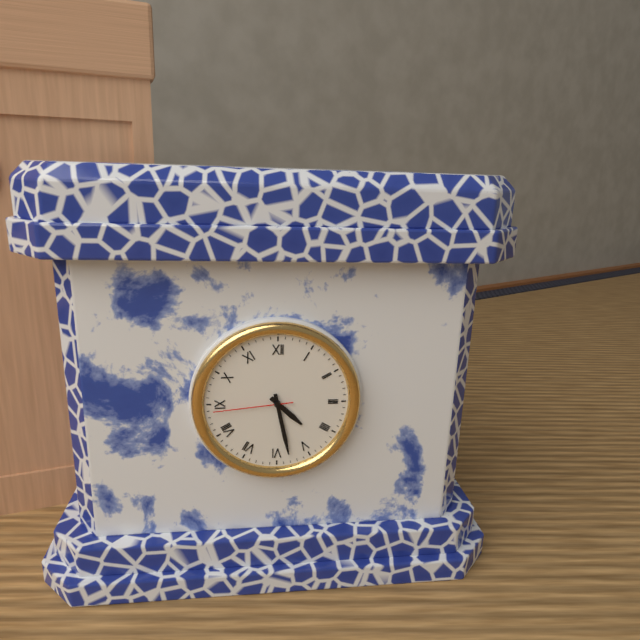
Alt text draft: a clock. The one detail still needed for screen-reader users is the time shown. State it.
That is 4:28:44
